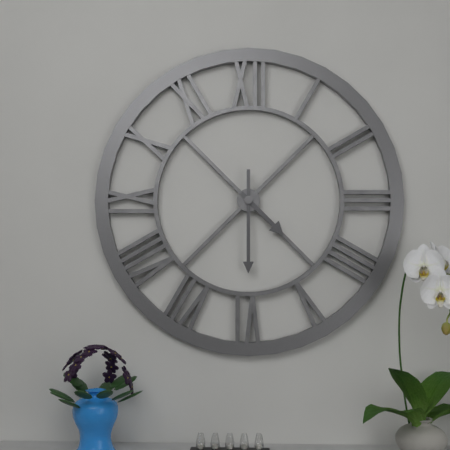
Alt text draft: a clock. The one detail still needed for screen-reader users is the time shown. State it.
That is 4:30
